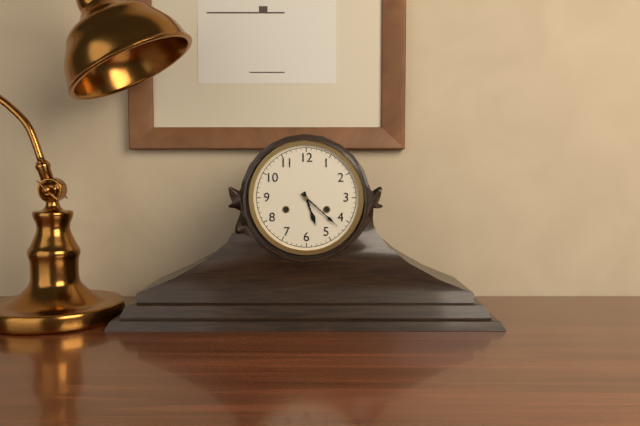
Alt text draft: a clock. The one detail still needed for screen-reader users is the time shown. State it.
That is 5:22
